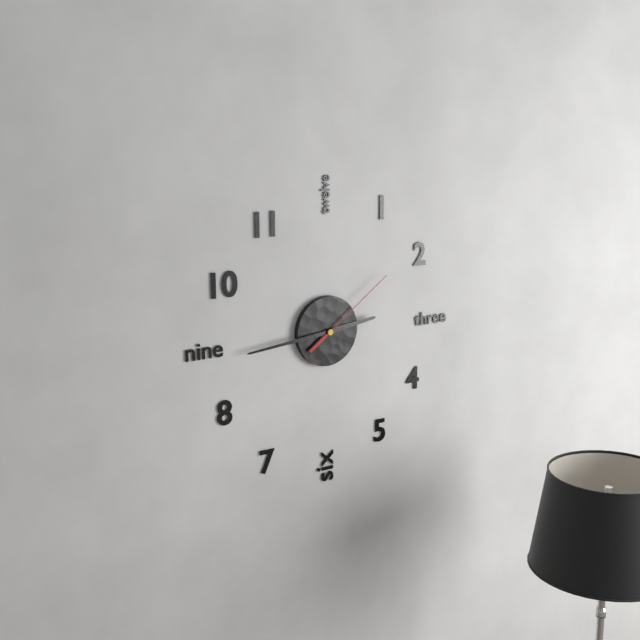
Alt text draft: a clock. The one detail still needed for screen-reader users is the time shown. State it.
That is 2:44:09
